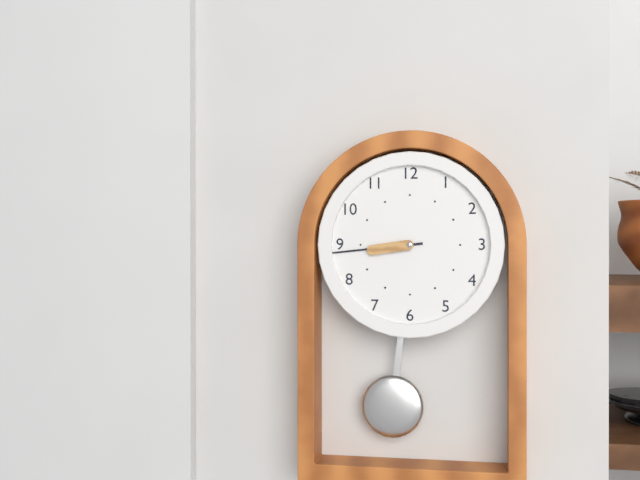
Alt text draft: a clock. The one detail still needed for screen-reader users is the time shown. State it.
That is 8:44
